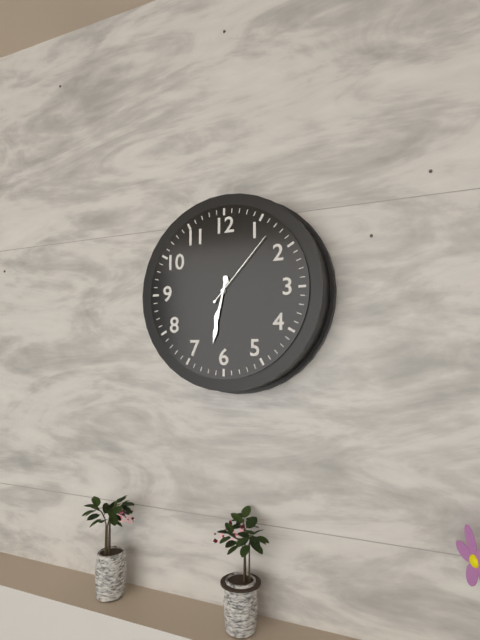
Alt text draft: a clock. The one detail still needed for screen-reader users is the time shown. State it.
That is 6:32:07
